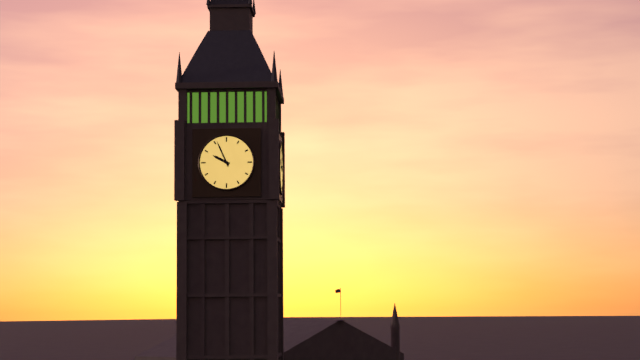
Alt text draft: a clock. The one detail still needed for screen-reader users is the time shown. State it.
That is 9:56
